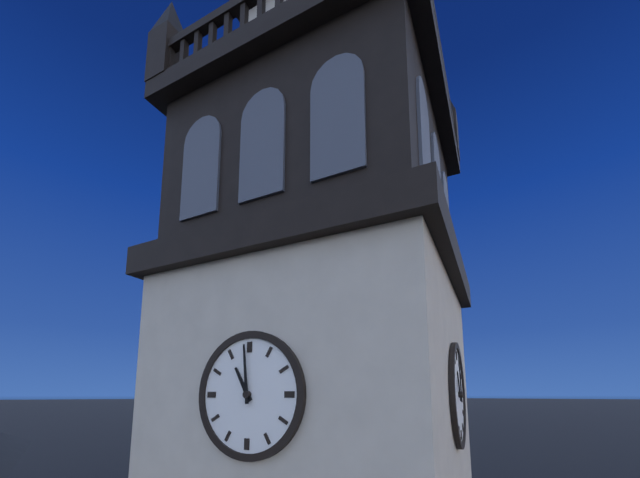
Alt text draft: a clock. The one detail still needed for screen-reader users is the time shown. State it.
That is 10:59
